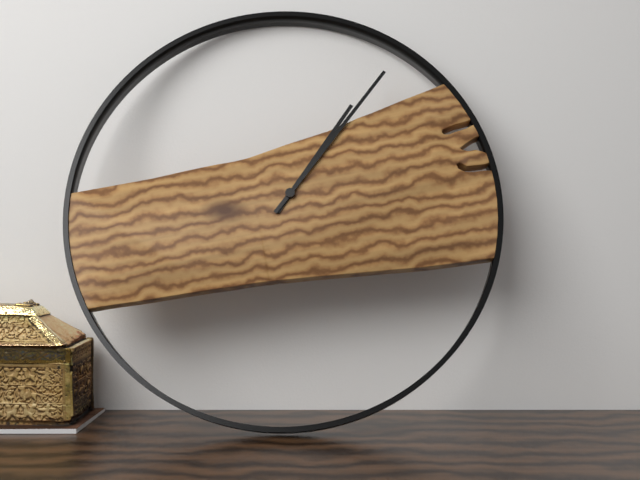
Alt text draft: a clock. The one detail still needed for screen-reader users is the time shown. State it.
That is 1:06
